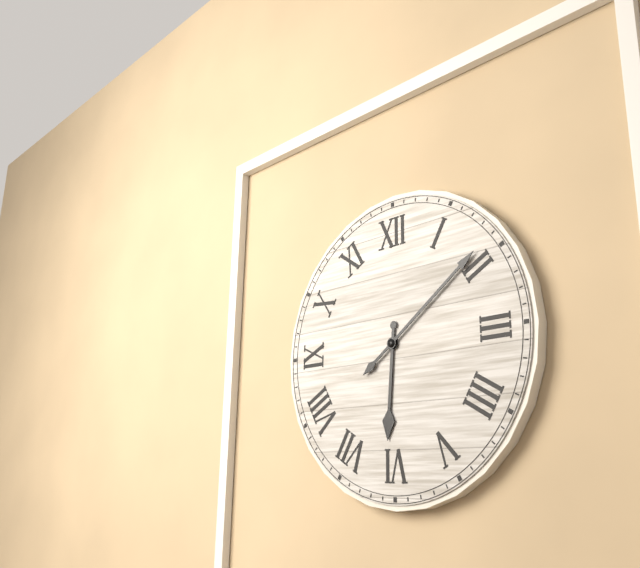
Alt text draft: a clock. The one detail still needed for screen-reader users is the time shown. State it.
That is 6:09
